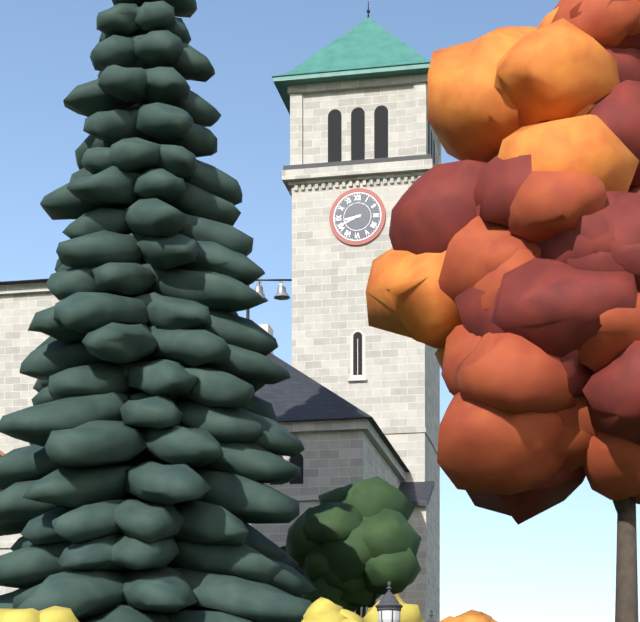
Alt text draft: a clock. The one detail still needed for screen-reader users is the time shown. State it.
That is 8:41
